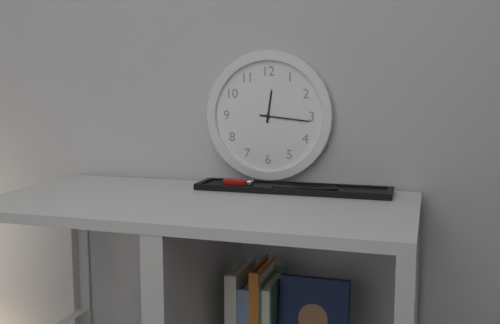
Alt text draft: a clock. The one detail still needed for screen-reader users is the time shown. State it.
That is 12:16
